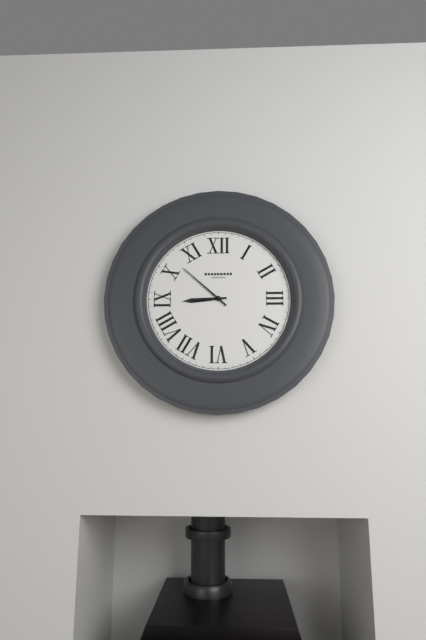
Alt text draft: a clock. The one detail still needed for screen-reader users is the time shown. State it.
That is 8:52
